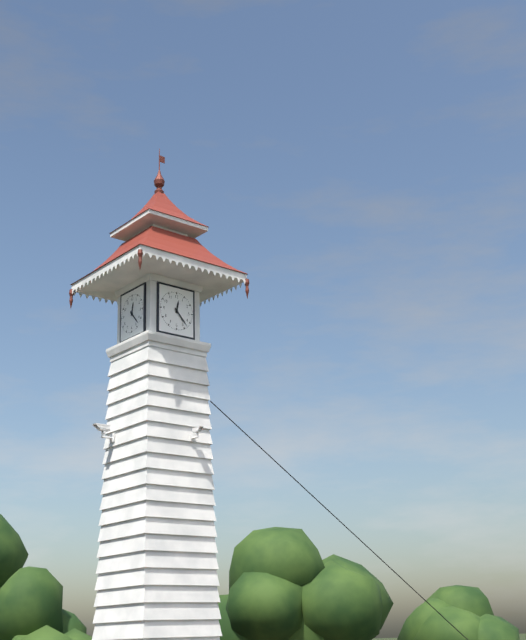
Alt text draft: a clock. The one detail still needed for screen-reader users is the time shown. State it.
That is 12:23
